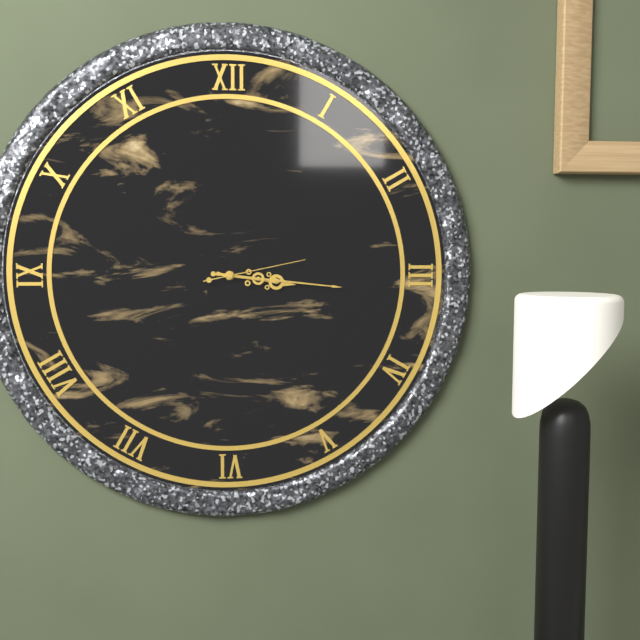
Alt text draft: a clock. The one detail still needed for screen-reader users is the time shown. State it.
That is 3:16:13
